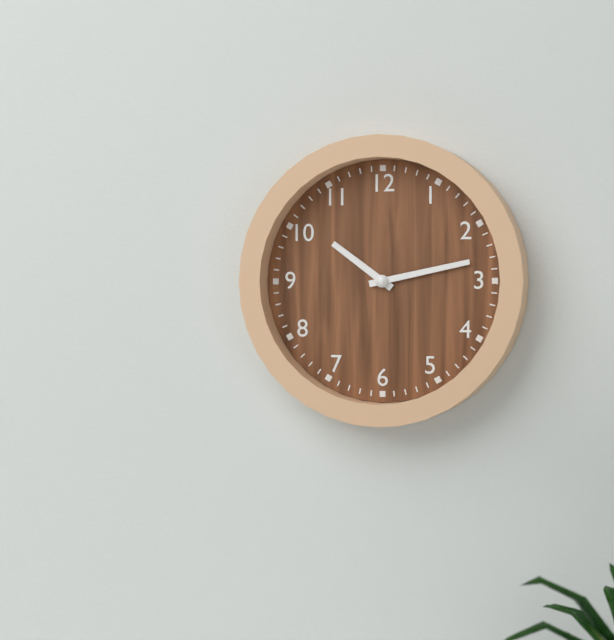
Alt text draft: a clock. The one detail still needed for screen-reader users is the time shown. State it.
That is 10:13
